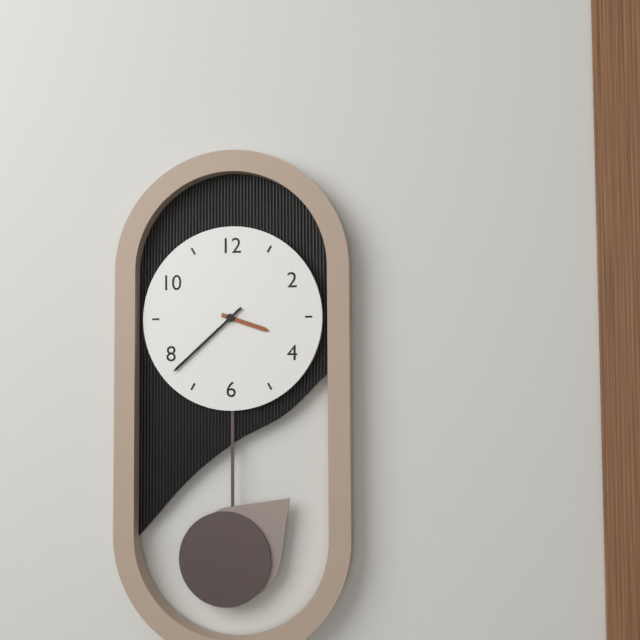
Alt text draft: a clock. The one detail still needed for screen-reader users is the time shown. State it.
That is 3:38
